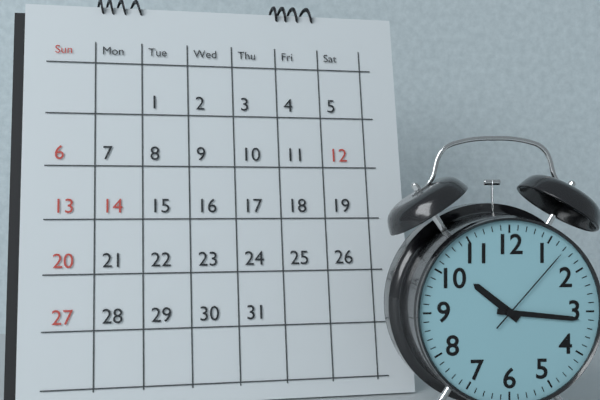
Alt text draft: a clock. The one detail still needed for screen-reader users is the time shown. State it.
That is 10:16:07
